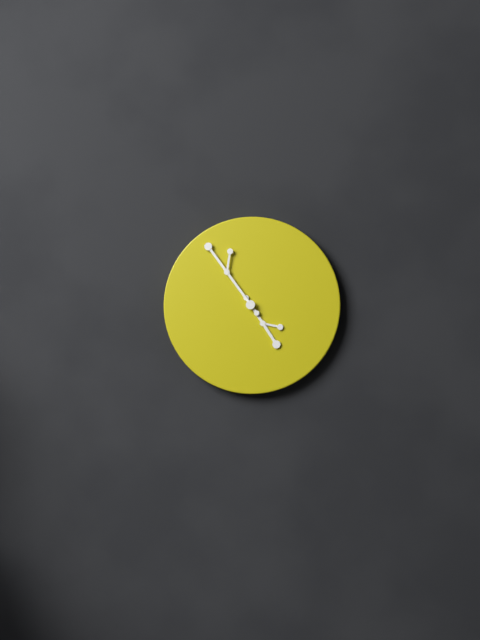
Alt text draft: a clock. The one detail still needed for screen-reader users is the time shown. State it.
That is 4:54
